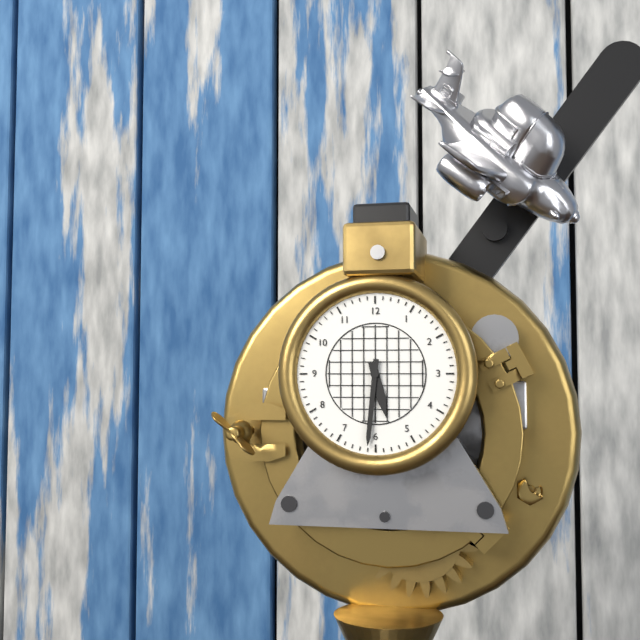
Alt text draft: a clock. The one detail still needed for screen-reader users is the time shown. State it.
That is 5:31
